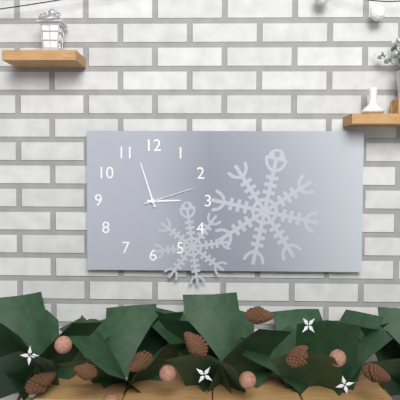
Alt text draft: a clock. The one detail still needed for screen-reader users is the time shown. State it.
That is 2:57:12
